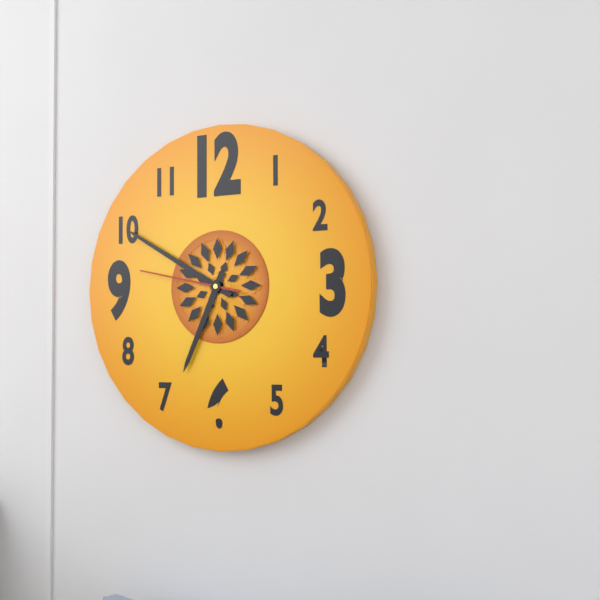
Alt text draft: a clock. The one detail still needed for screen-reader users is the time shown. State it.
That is 6:50:47
